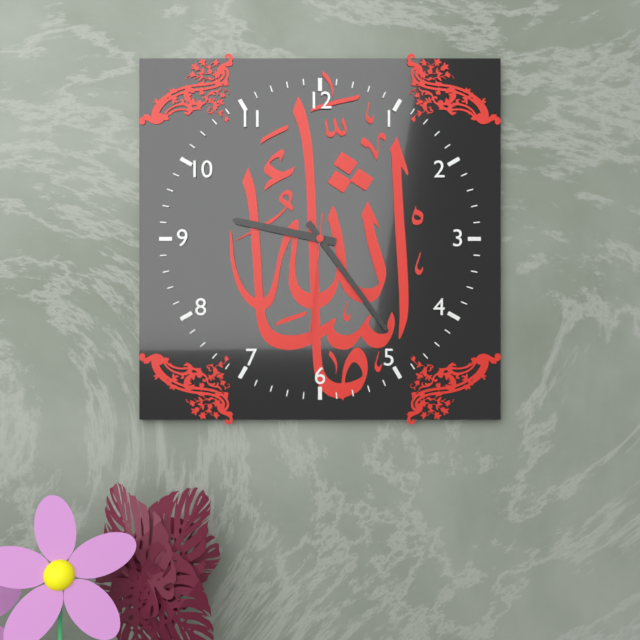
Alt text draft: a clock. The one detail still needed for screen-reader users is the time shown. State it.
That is 9:24:31
